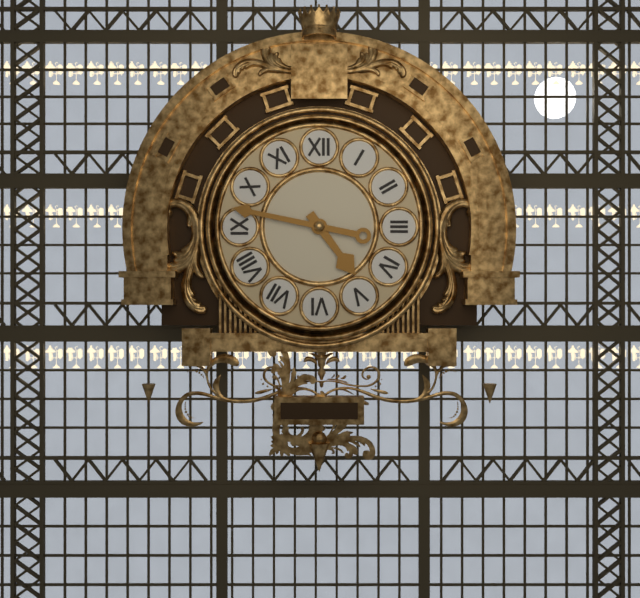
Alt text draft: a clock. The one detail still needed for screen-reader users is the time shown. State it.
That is 4:47
